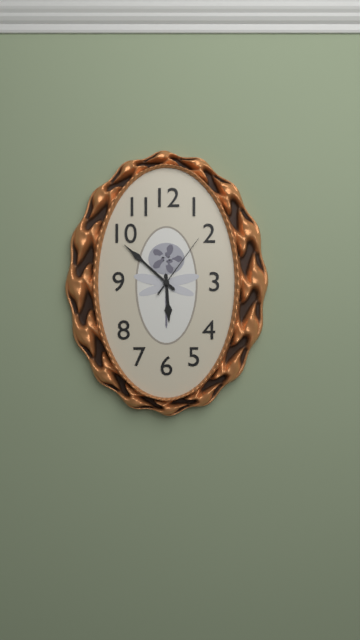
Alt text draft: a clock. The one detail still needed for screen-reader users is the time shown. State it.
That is 5:52:06
